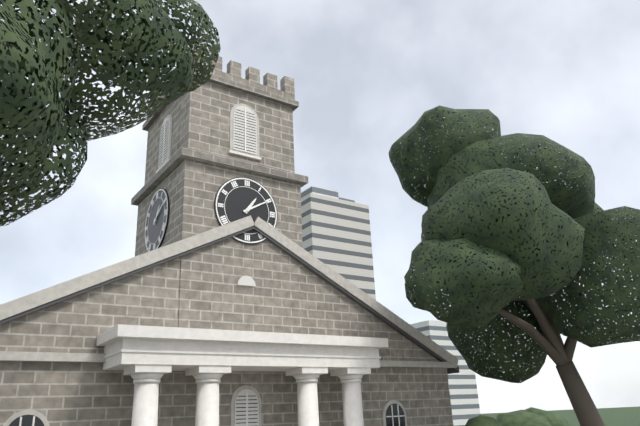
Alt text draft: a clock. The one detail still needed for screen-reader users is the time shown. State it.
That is 1:10
